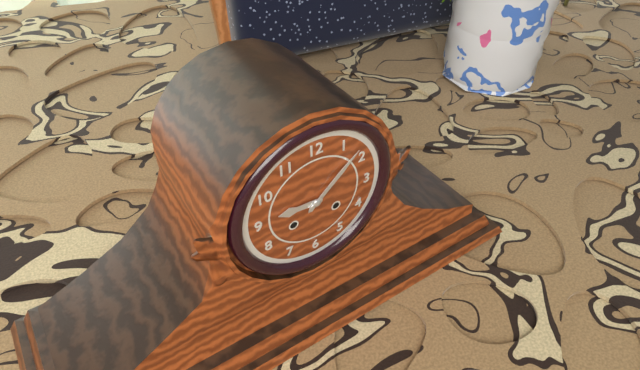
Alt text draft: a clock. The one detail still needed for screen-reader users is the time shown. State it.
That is 9:08
